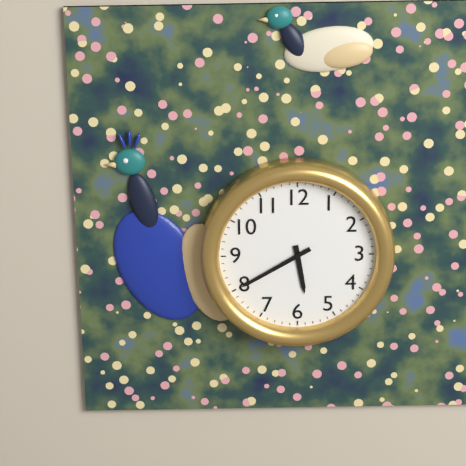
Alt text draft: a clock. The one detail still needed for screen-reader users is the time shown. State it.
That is 5:40
